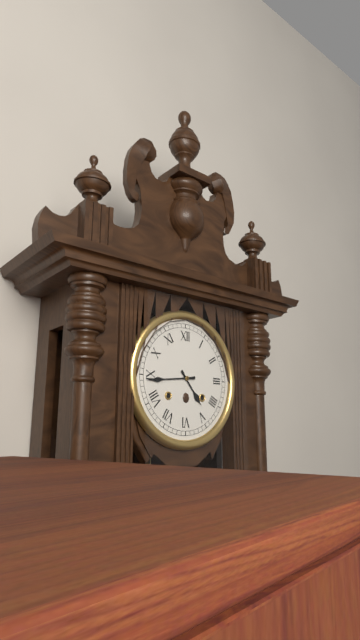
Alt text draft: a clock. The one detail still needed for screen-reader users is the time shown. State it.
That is 4:44
